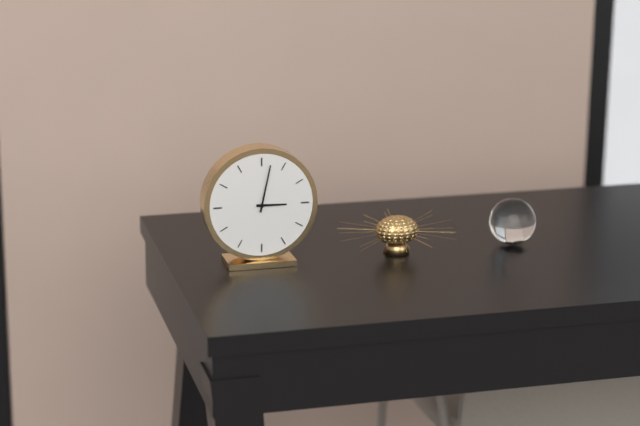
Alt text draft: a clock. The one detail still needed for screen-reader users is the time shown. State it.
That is 3:02
